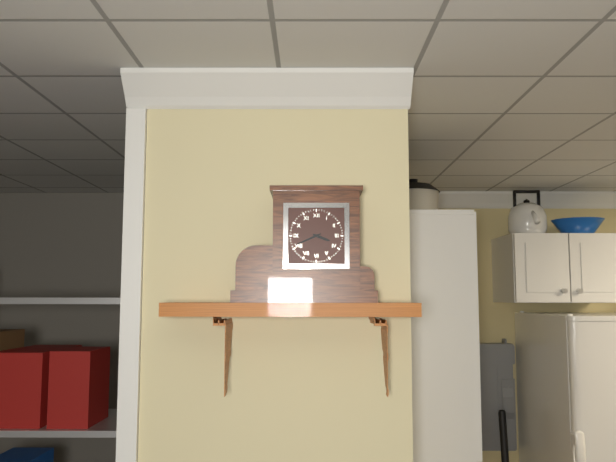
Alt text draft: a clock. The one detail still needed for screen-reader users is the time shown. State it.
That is 3:41
